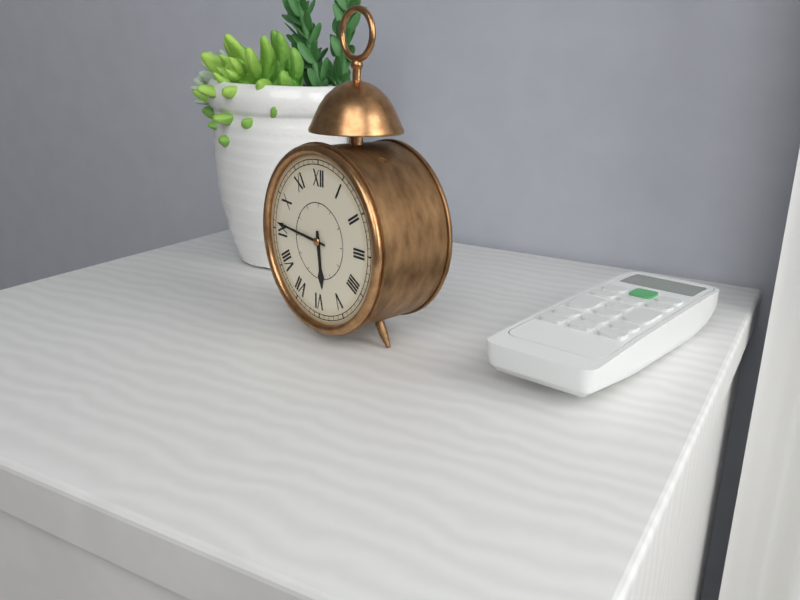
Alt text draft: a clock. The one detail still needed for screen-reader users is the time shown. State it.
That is 5:46
